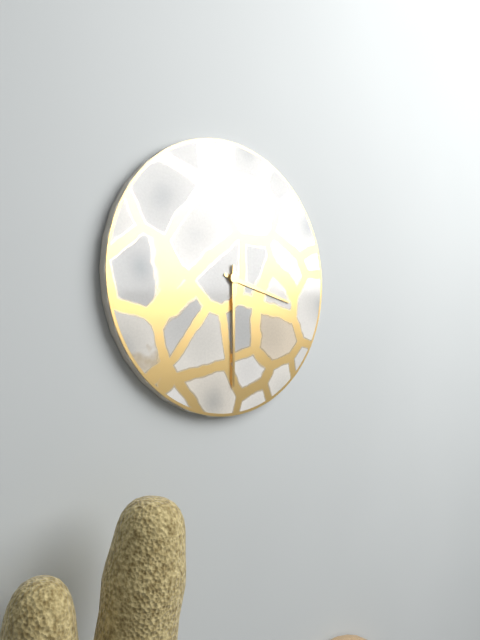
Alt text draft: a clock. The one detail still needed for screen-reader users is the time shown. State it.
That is 3:30
